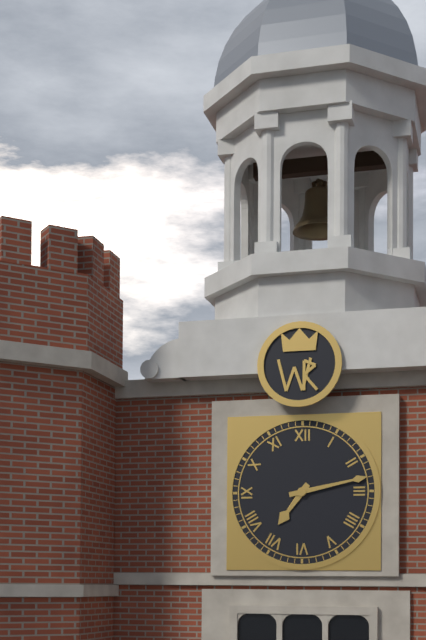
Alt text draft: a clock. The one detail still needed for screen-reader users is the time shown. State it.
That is 7:13
